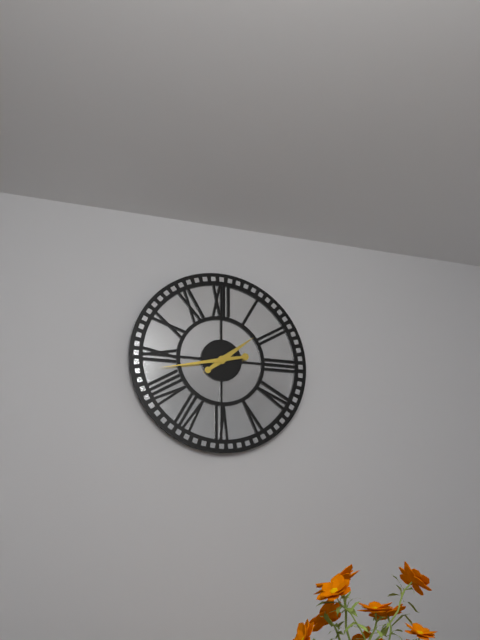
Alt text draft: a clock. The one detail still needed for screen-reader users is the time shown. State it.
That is 1:43
